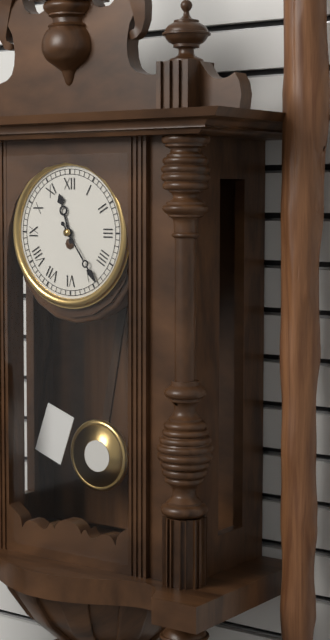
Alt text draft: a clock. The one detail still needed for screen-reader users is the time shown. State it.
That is 11:24
